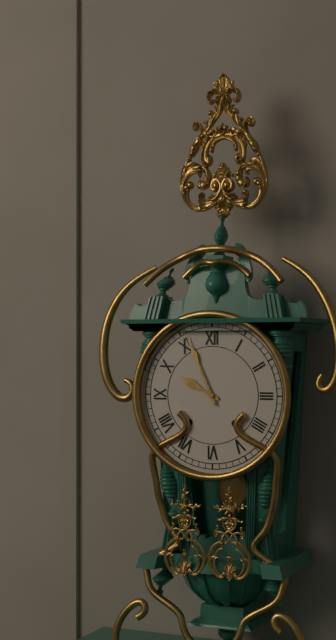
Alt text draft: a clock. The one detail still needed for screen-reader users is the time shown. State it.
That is 9:56
